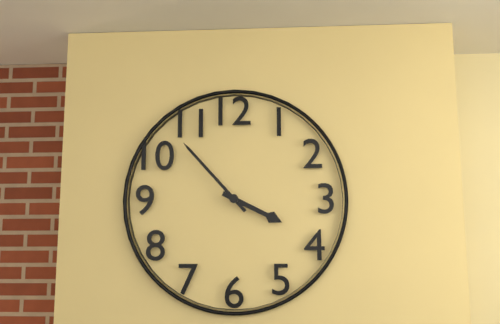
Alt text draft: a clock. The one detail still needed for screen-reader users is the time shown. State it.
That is 3:53
